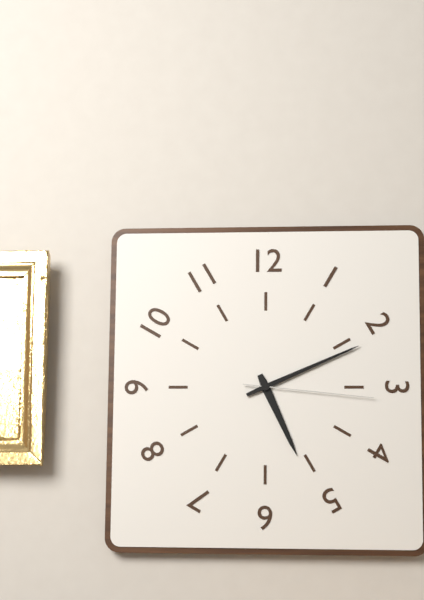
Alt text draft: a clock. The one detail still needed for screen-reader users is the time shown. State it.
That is 5:11:16
